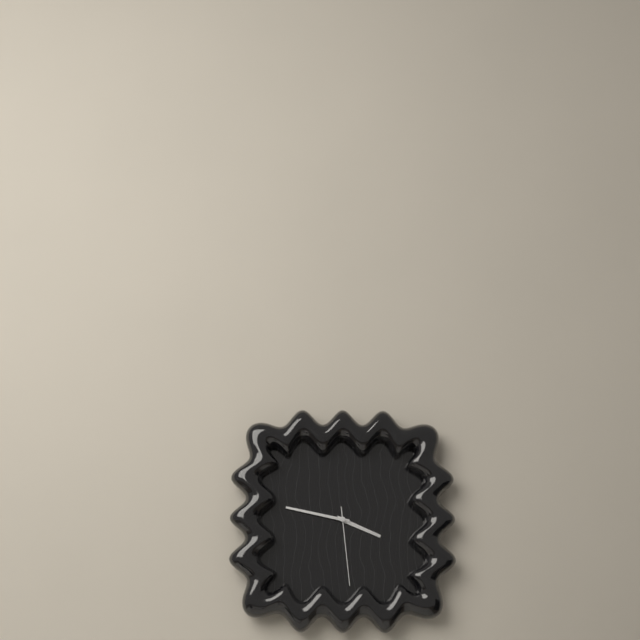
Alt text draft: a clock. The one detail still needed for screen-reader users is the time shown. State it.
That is 3:47:29
